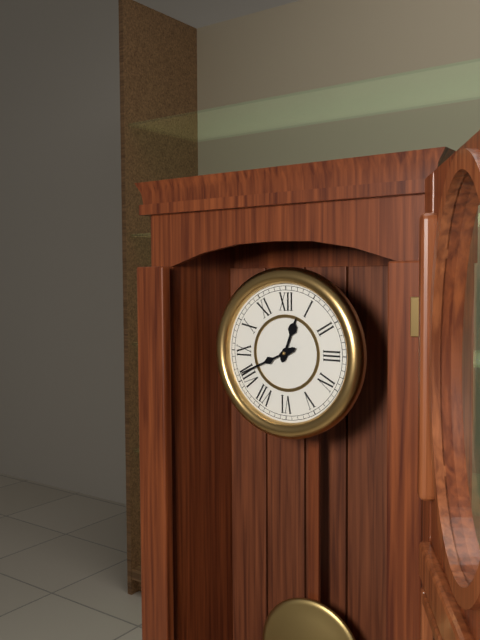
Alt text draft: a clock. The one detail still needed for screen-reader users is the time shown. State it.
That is 12:41
